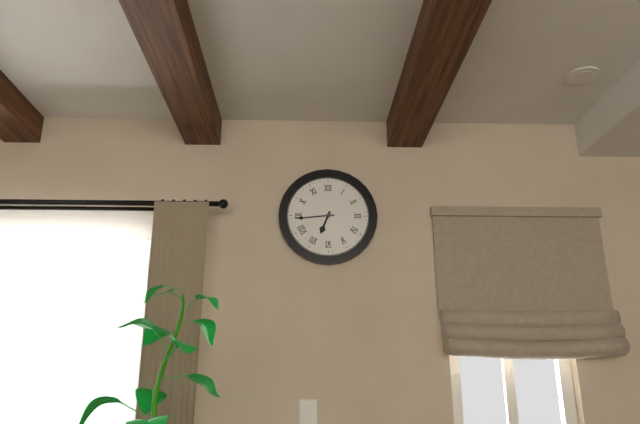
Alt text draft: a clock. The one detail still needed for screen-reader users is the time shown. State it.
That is 6:44
